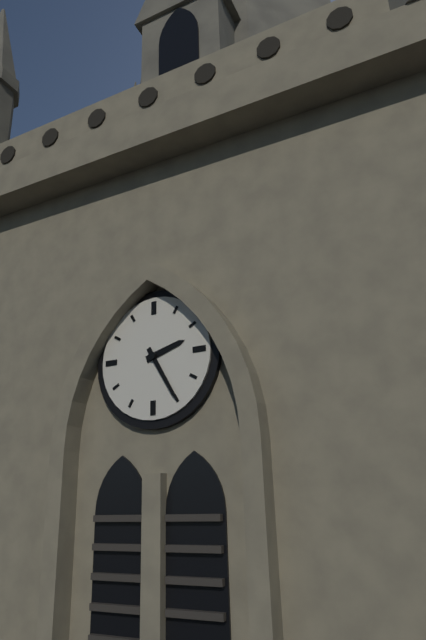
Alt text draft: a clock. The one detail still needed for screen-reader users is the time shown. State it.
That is 2:25
